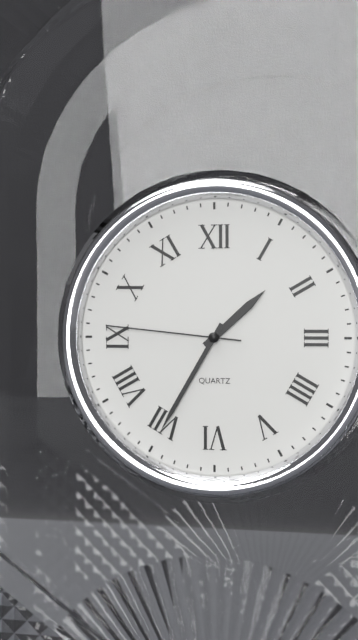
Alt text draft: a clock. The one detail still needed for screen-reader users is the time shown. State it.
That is 1:35:46
